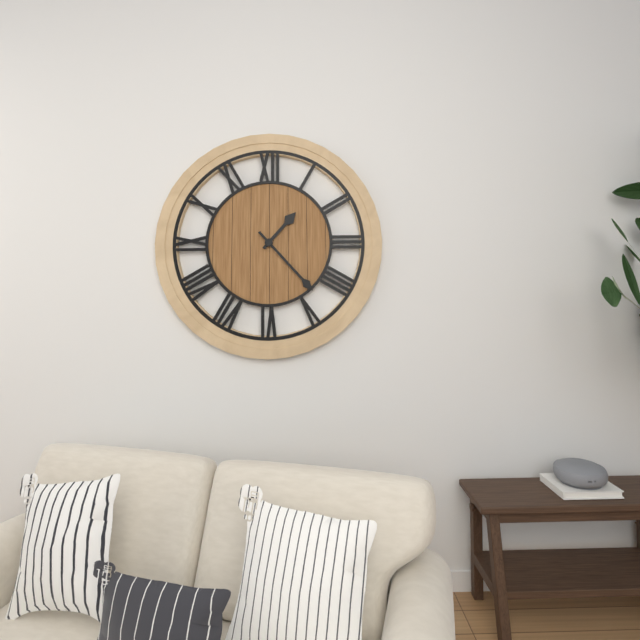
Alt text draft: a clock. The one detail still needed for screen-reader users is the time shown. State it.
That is 1:23
